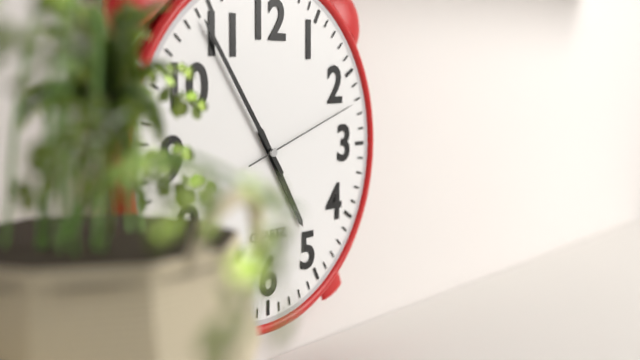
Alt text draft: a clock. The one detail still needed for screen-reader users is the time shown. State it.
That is 4:54:12
